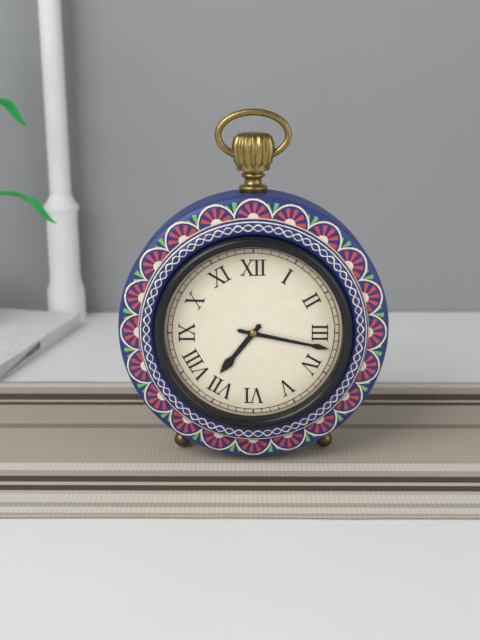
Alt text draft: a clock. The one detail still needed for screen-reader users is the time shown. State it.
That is 7:17
